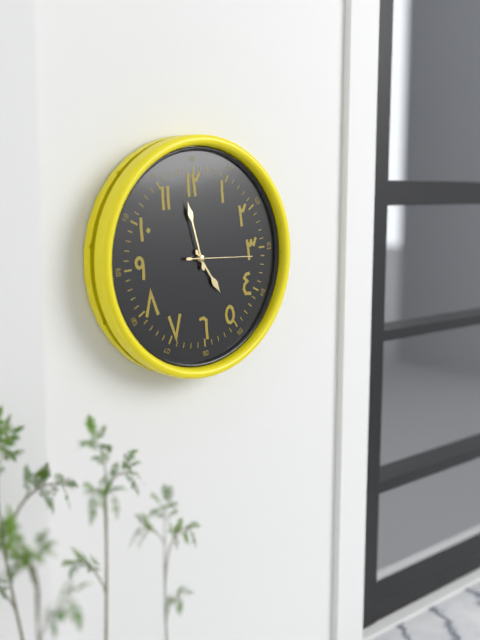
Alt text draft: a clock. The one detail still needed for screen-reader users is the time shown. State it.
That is 4:58:16
